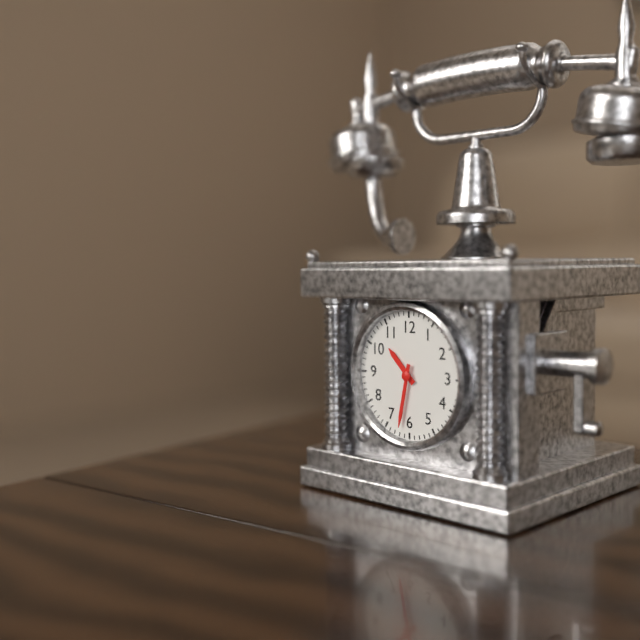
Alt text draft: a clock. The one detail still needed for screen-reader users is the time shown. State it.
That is 10:32
